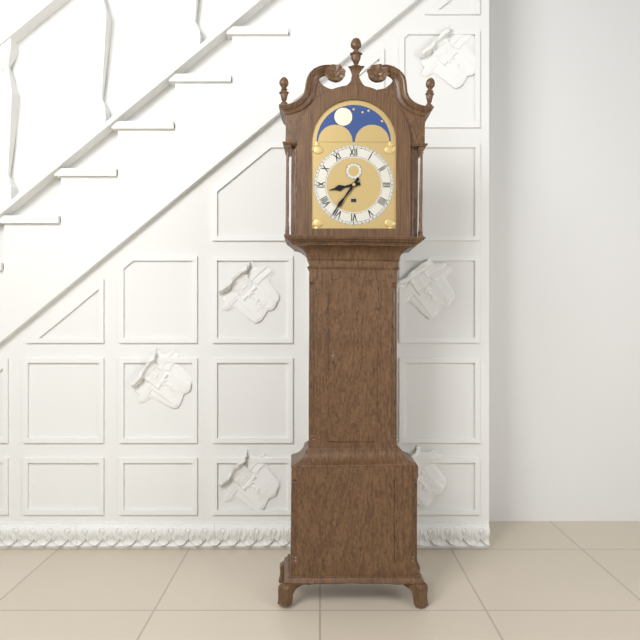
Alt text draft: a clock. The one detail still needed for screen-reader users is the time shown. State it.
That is 8:36
